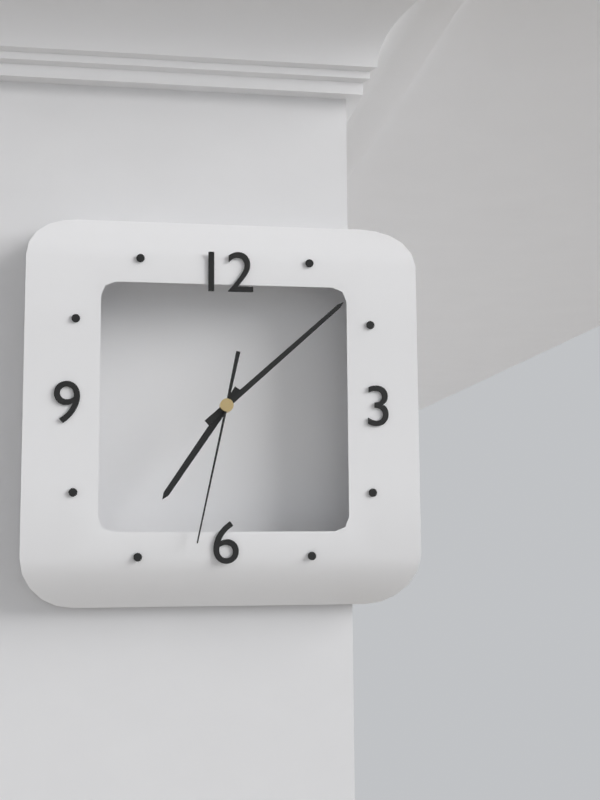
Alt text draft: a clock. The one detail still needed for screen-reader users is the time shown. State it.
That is 7:08:32
